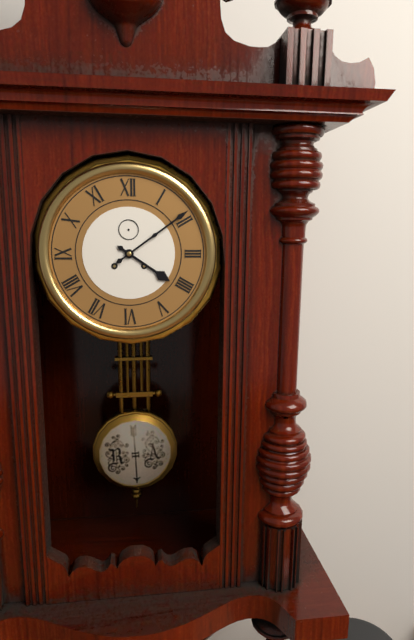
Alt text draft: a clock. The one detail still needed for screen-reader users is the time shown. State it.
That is 4:09
